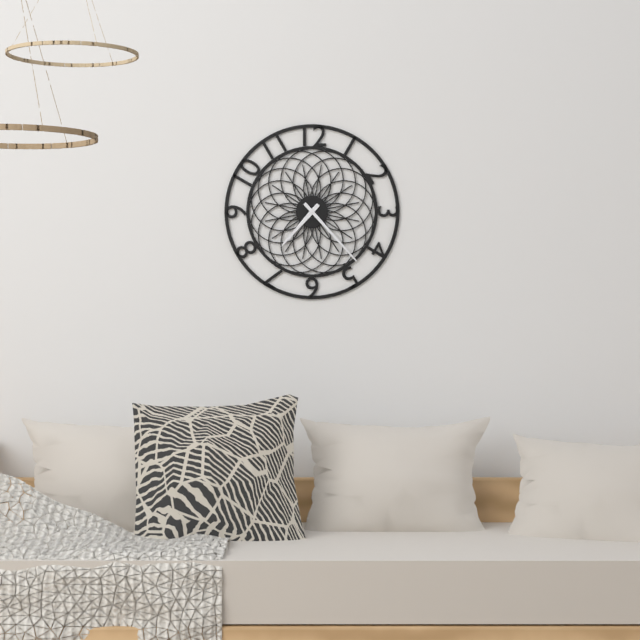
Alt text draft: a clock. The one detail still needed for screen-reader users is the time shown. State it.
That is 7:23
